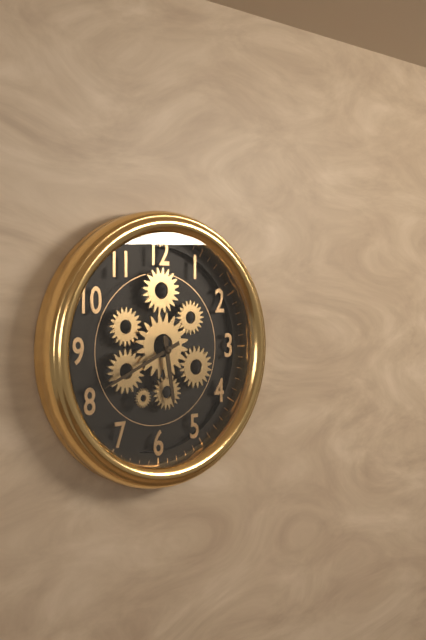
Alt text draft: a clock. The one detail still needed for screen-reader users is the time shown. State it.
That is 5:41
